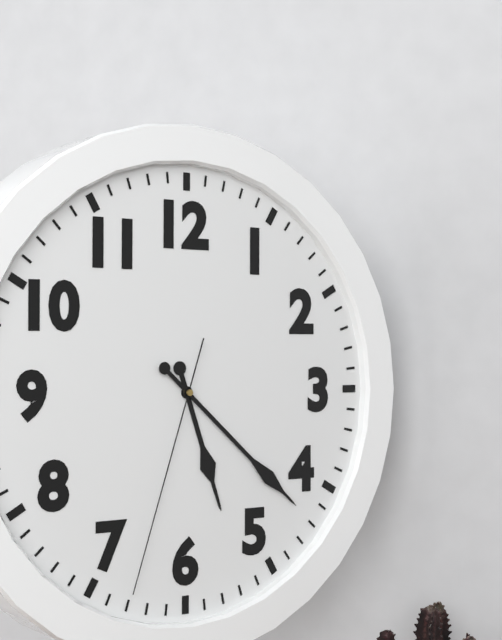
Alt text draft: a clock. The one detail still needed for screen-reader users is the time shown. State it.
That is 5:22:33
